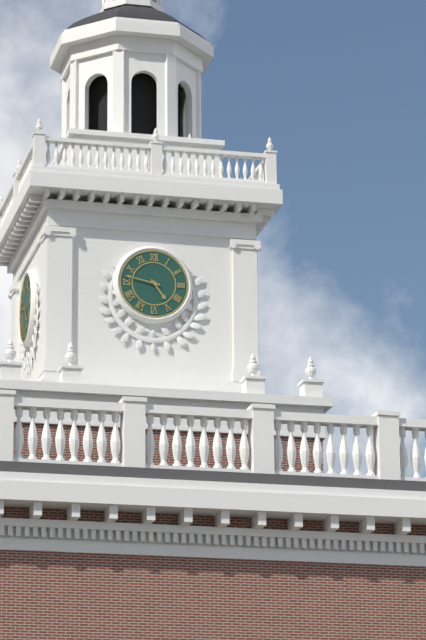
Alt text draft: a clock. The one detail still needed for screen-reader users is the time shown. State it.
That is 4:47
